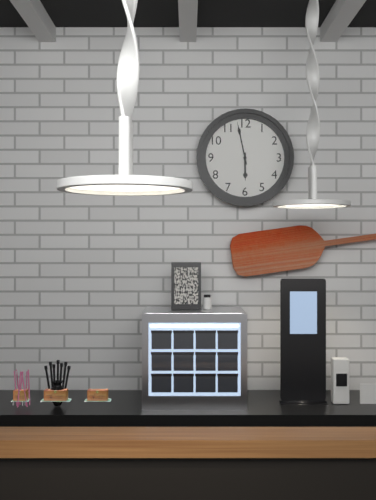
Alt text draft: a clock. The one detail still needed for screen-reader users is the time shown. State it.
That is 5:58
